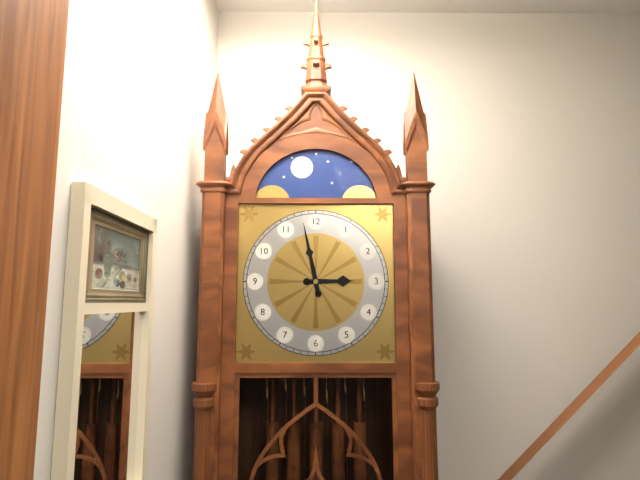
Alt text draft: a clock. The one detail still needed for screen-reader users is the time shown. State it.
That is 2:58
